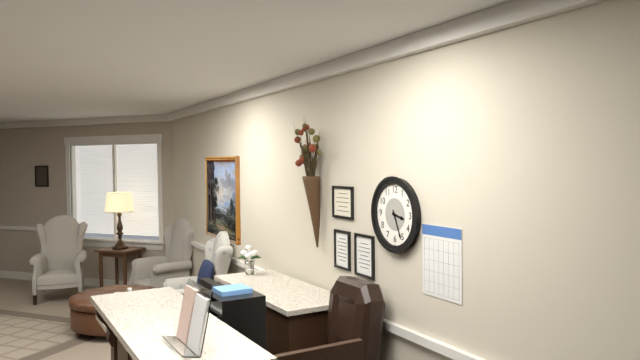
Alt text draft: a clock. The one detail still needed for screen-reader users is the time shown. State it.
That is 3:26
